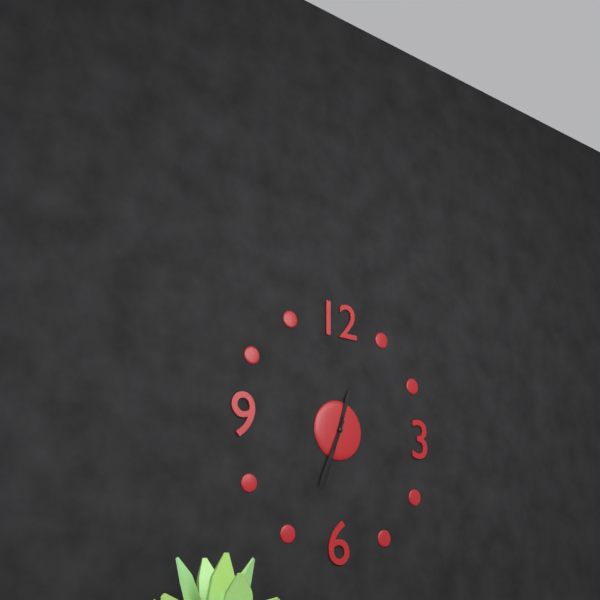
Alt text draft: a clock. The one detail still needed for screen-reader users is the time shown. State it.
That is 12:34:33
